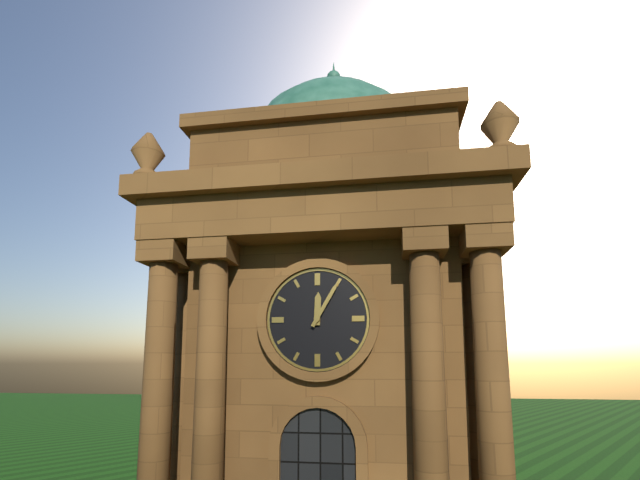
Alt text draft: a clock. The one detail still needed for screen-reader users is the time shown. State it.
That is 12:05
